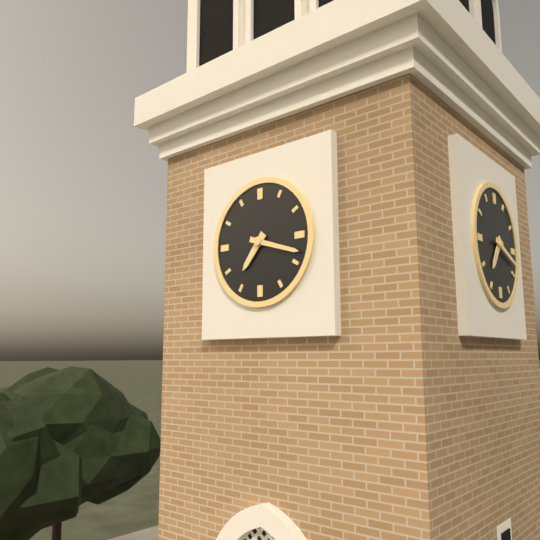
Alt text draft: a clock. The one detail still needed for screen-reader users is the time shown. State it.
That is 7:18
